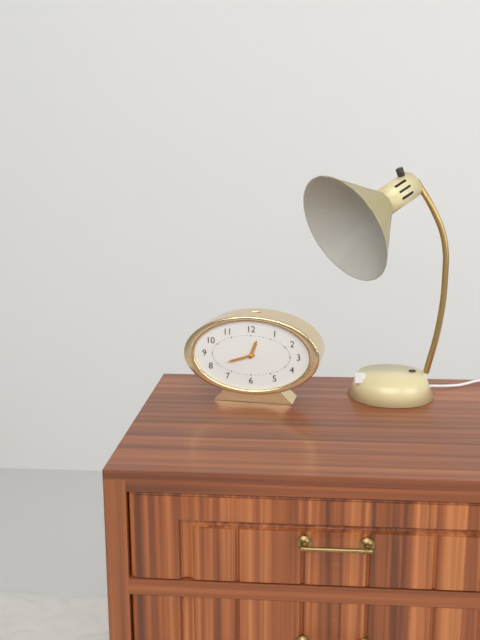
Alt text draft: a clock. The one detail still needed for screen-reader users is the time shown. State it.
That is 12:42
